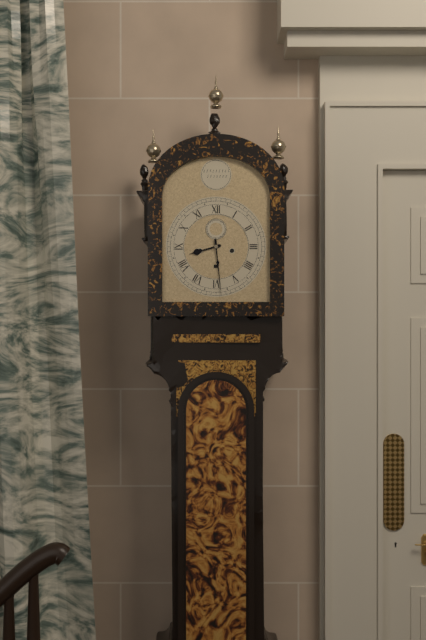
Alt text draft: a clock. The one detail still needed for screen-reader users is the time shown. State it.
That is 8:29
